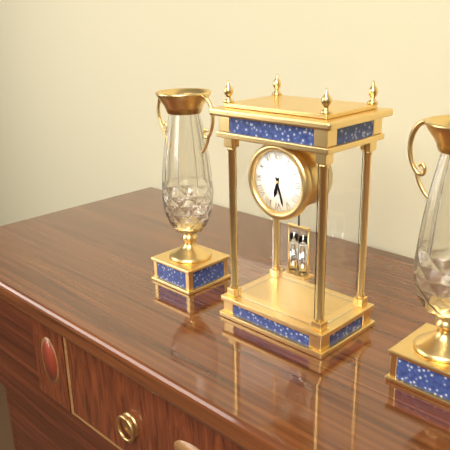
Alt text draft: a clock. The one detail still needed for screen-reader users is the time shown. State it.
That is 6:27
